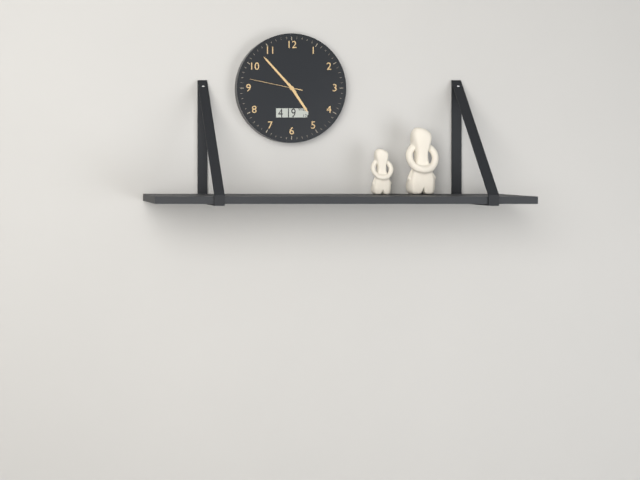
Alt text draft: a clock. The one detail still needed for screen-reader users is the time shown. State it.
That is 4:53:47
